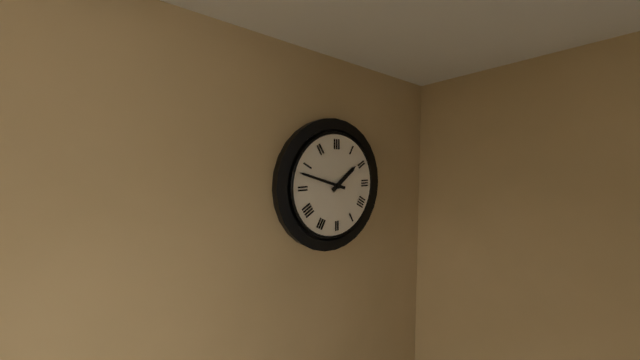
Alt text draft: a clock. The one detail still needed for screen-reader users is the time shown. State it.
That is 1:48
